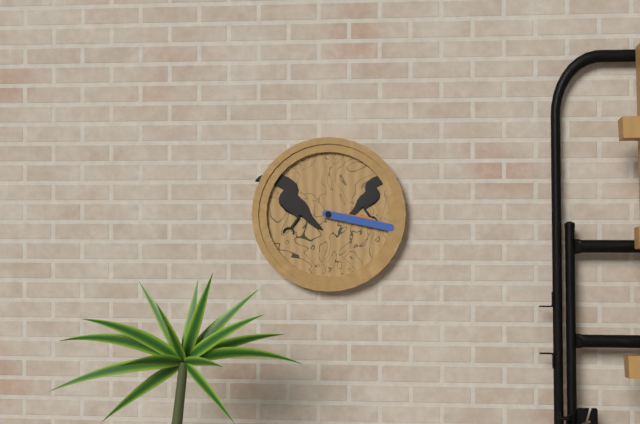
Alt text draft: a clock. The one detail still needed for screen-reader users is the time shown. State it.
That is 3:17
